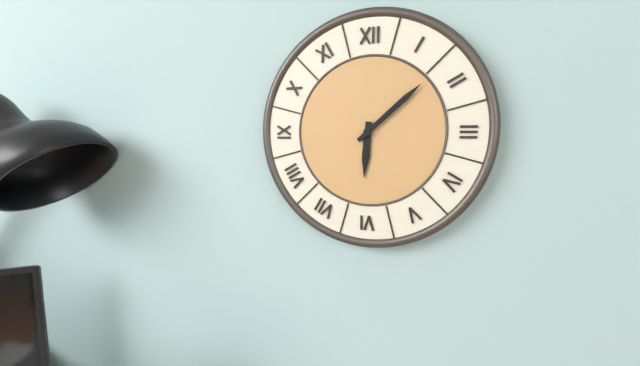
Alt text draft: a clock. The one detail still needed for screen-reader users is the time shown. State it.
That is 6:08
